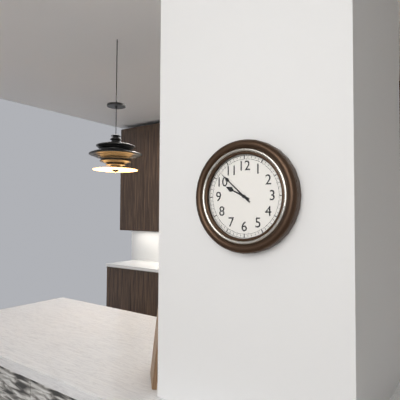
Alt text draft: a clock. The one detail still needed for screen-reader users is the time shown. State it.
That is 9:52
